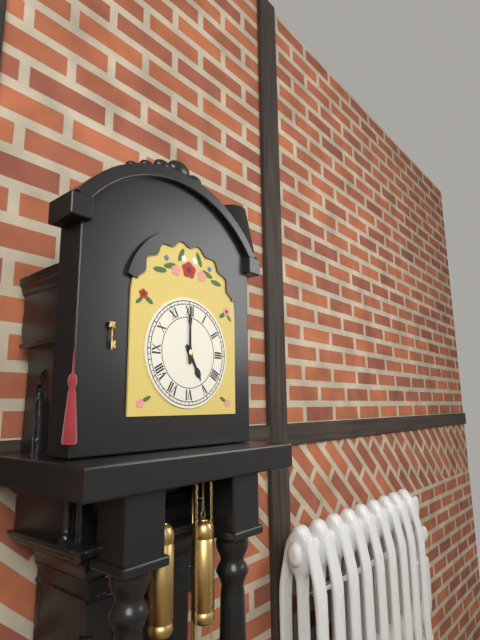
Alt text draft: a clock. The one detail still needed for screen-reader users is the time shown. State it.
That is 5:00
